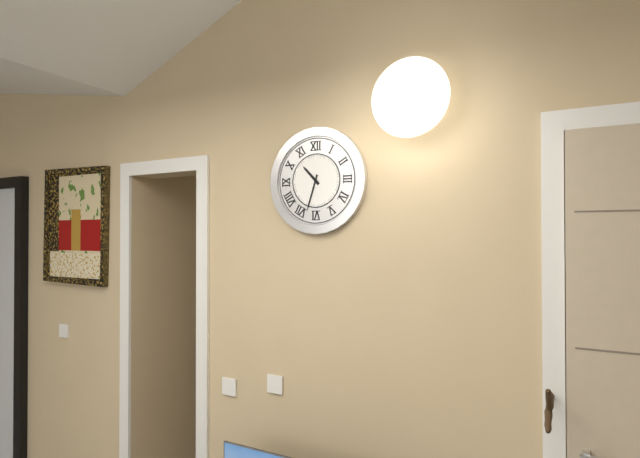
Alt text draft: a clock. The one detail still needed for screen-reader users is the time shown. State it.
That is 10:33
